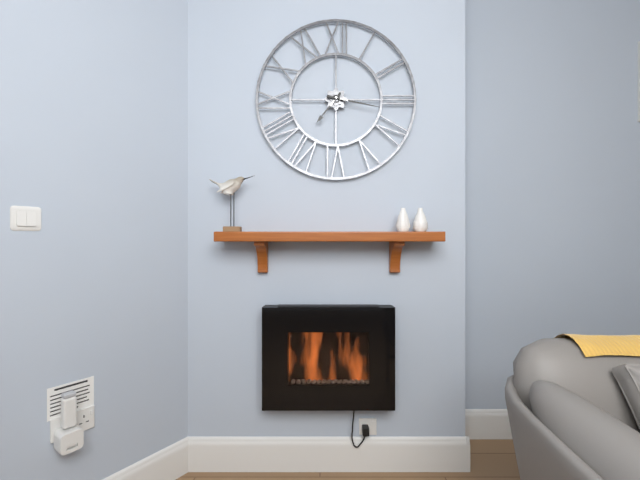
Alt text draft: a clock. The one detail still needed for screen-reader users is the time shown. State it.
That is 7:17
